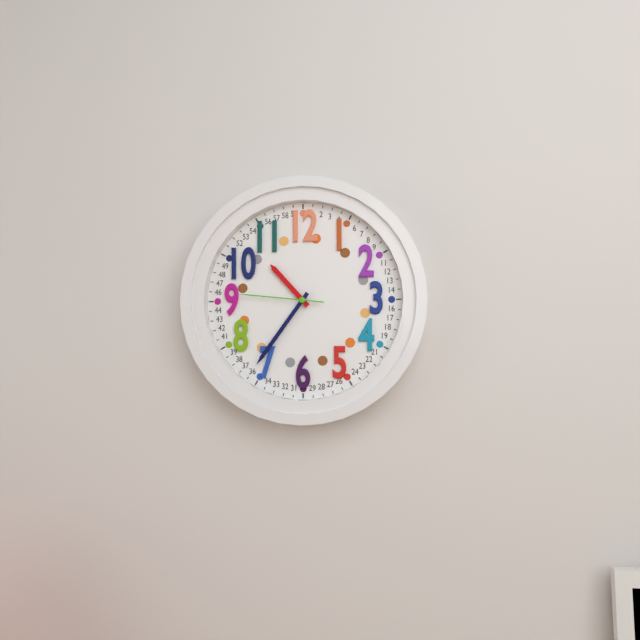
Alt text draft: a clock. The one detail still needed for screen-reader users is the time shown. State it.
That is 10:36:46
